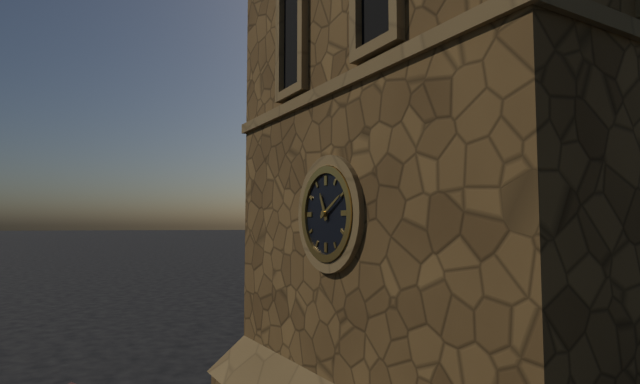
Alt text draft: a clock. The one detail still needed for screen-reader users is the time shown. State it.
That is 11:10
